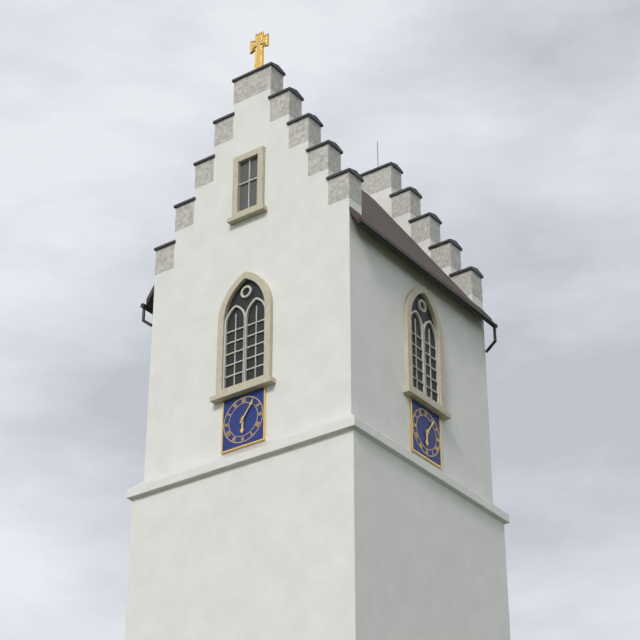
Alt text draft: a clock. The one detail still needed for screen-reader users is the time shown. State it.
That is 6:06
